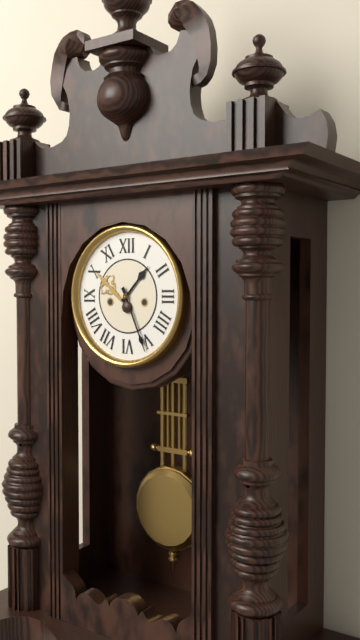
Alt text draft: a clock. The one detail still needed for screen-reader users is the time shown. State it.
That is 1:26
